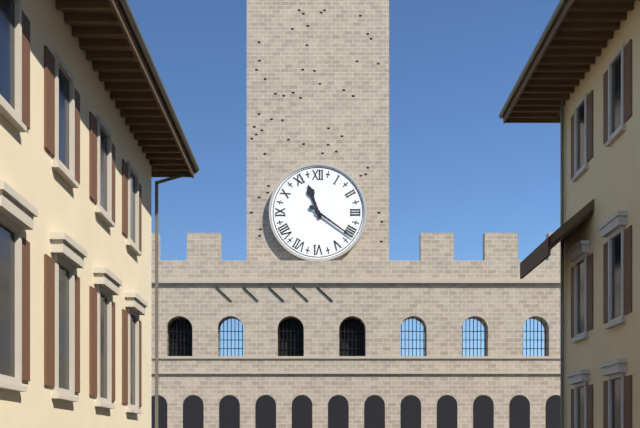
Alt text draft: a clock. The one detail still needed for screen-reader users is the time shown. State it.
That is 11:21
